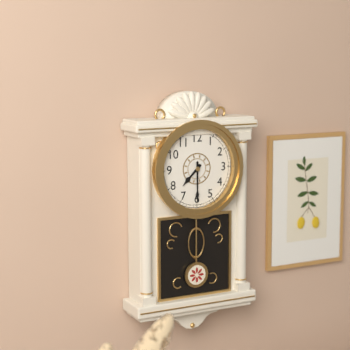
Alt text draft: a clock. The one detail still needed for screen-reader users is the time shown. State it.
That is 7:30
